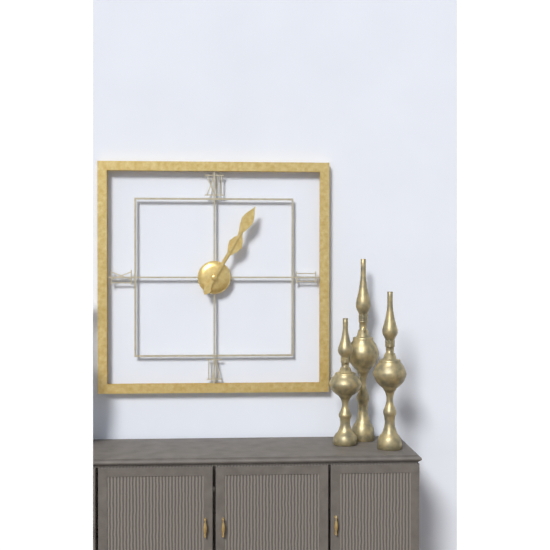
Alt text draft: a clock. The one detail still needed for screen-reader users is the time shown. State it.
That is 1:05
